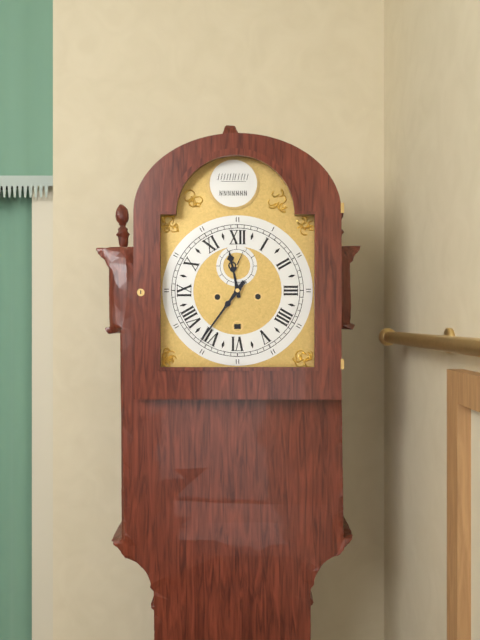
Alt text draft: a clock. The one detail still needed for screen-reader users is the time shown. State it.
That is 11:36
